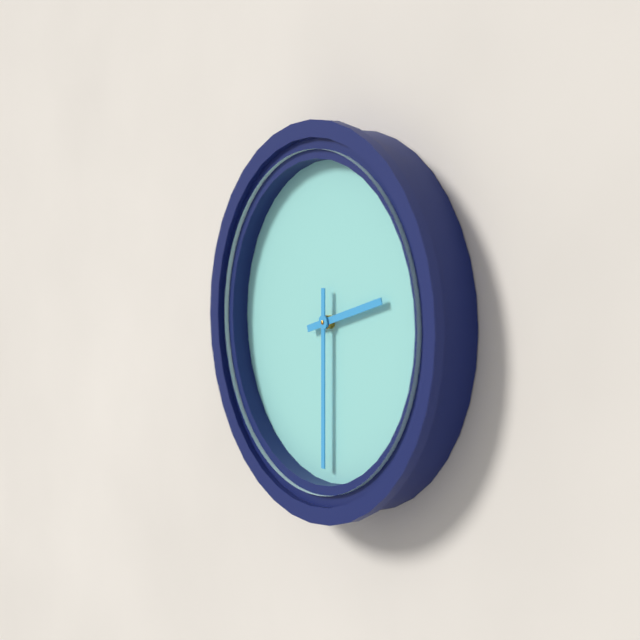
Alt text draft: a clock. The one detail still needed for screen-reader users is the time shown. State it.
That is 2:30
